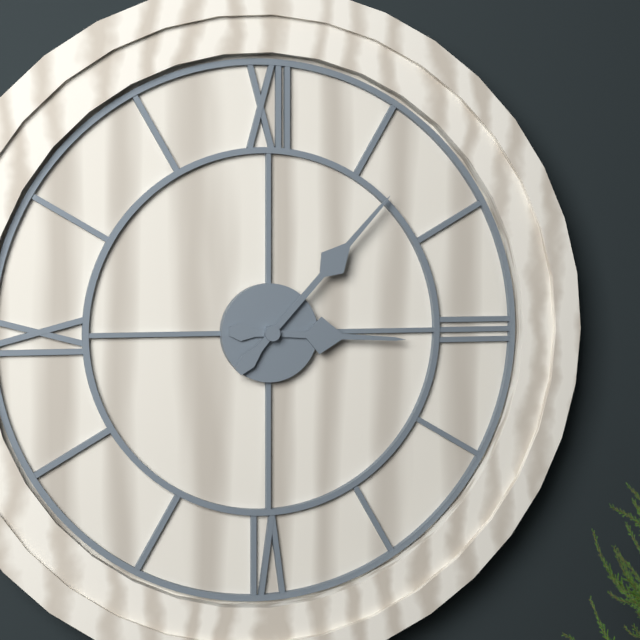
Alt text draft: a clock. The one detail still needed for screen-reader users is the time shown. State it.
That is 3:07
